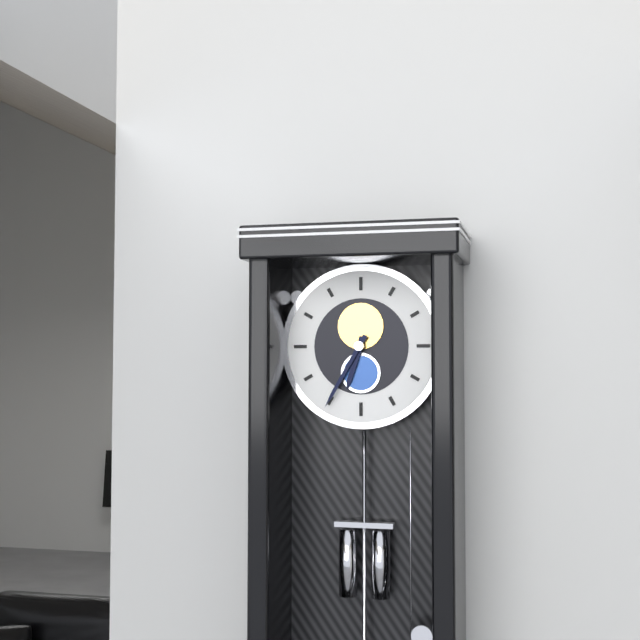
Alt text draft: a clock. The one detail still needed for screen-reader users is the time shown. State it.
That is 6:35
